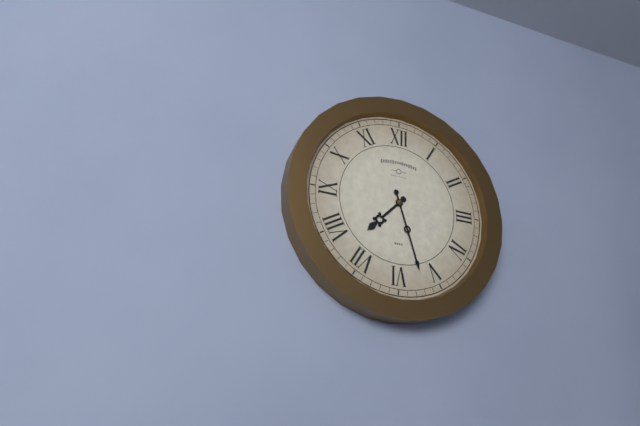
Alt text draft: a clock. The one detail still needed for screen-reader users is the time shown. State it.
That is 7:27
